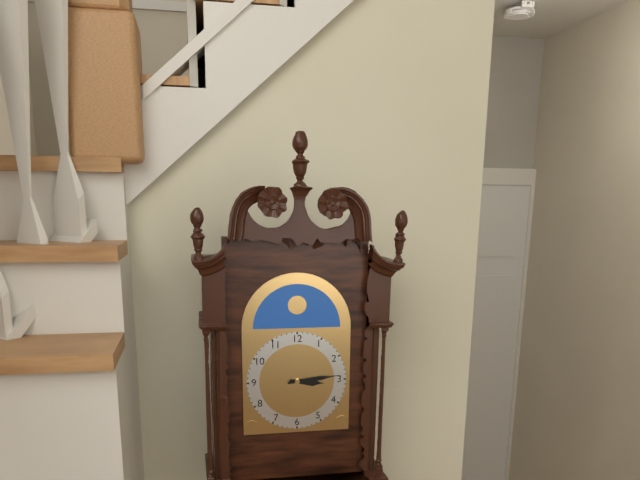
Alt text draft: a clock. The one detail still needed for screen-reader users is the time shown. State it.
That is 3:14
